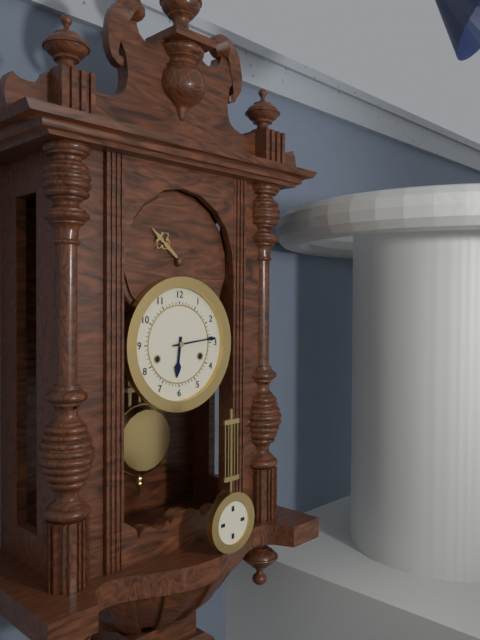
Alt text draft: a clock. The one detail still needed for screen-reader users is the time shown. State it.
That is 6:14
